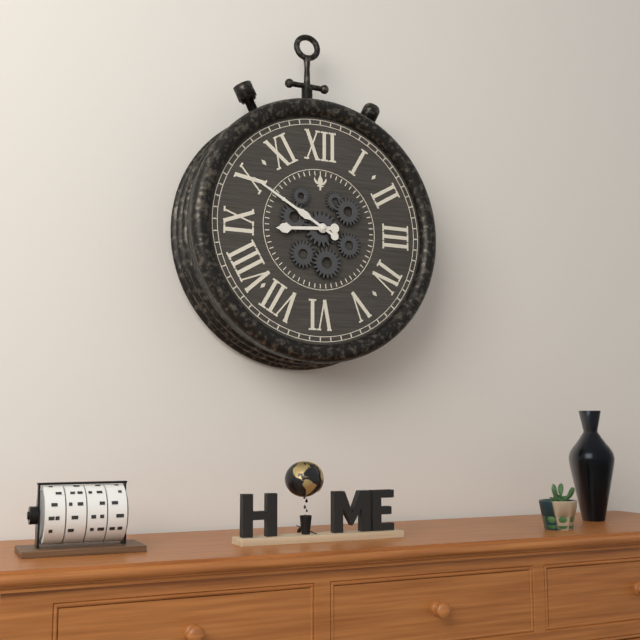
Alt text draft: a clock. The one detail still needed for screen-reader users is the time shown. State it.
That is 8:50
